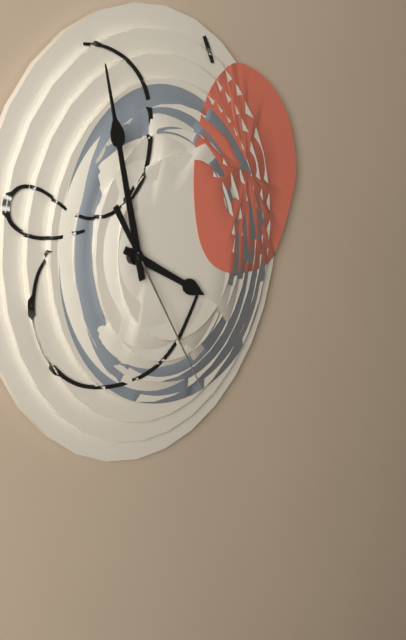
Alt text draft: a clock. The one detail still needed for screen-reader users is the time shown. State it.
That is 3:58:25
